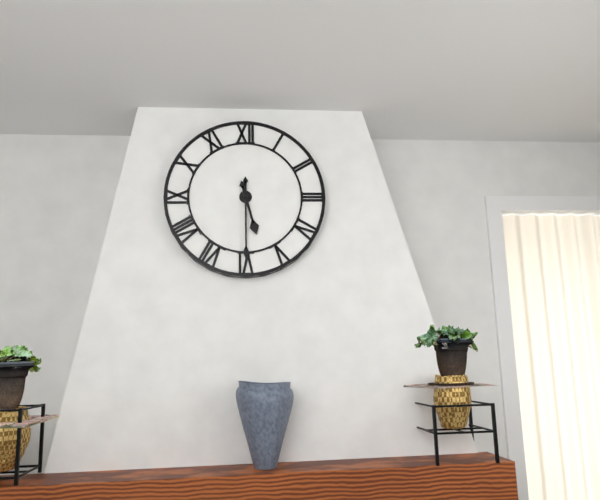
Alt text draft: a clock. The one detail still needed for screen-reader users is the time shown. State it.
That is 5:30
